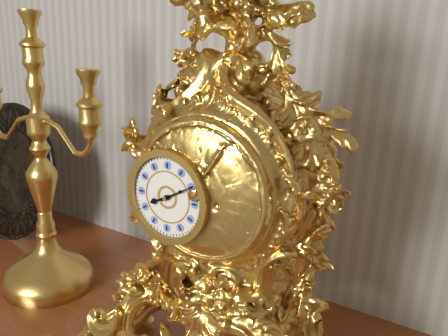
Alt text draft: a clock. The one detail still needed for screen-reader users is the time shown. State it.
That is 8:10
